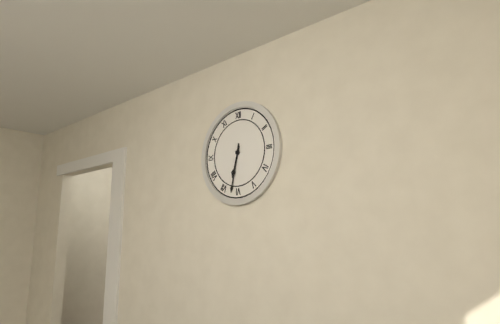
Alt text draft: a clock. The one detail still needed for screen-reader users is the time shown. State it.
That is 6:32
